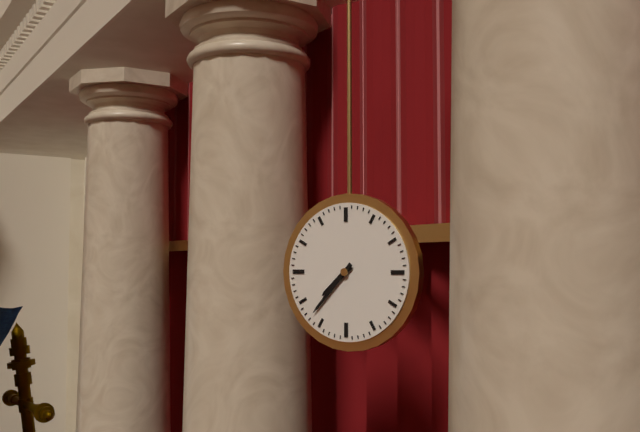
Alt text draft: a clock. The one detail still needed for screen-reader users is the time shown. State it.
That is 7:37
